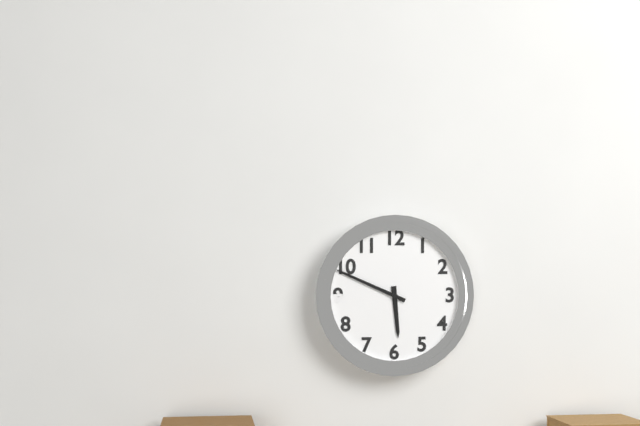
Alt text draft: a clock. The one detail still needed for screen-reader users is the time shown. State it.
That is 5:49
